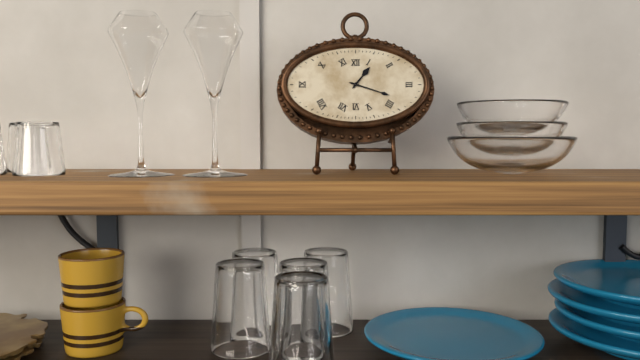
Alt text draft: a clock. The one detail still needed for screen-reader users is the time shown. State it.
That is 1:18
